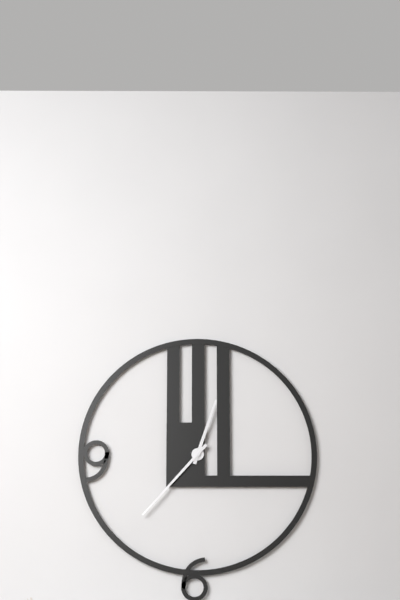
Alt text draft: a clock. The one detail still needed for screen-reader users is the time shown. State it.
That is 12:37
